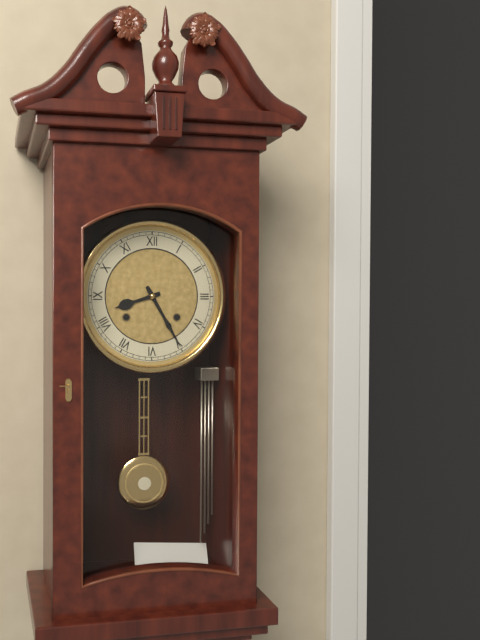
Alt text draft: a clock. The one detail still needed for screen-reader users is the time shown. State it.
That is 8:25
